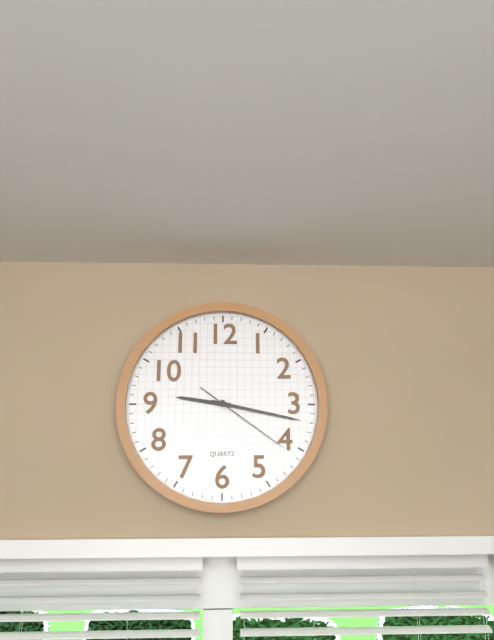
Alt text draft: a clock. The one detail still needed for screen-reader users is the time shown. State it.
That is 9:17:21
